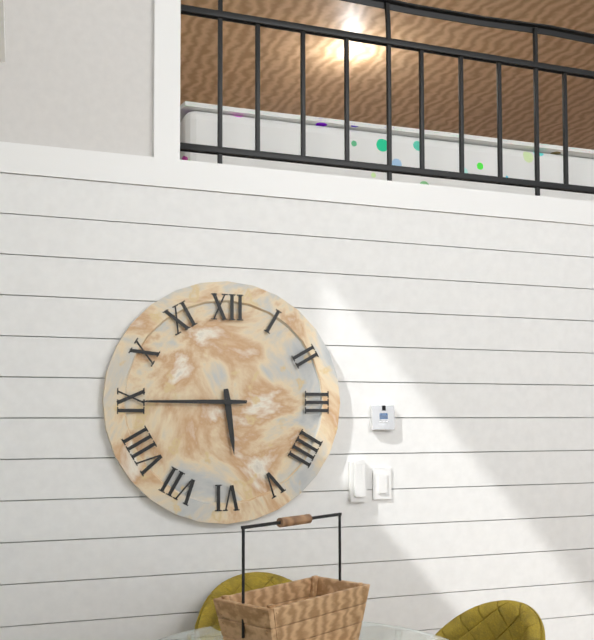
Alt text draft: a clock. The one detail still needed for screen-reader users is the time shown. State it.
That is 5:45
